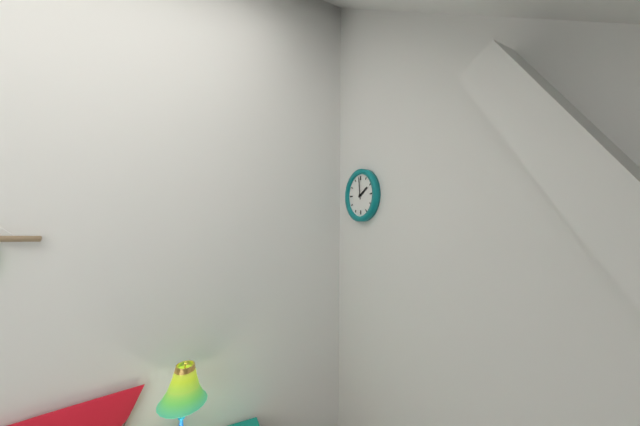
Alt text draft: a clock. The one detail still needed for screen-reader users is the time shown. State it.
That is 1:59
